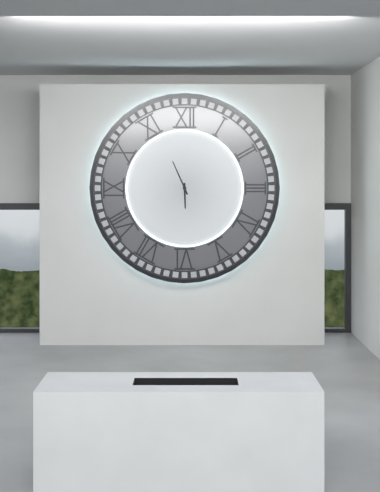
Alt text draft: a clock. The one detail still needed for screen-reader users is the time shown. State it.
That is 5:56
